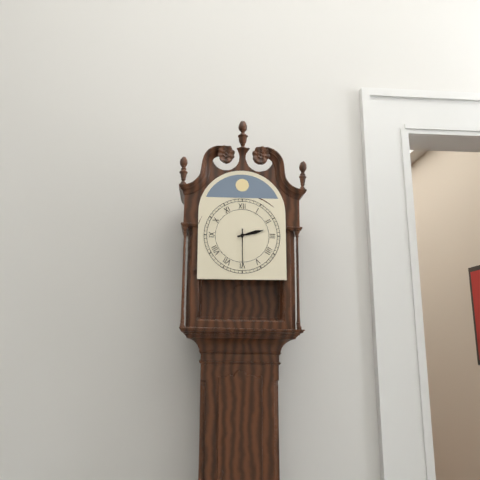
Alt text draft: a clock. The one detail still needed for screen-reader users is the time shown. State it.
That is 2:30
